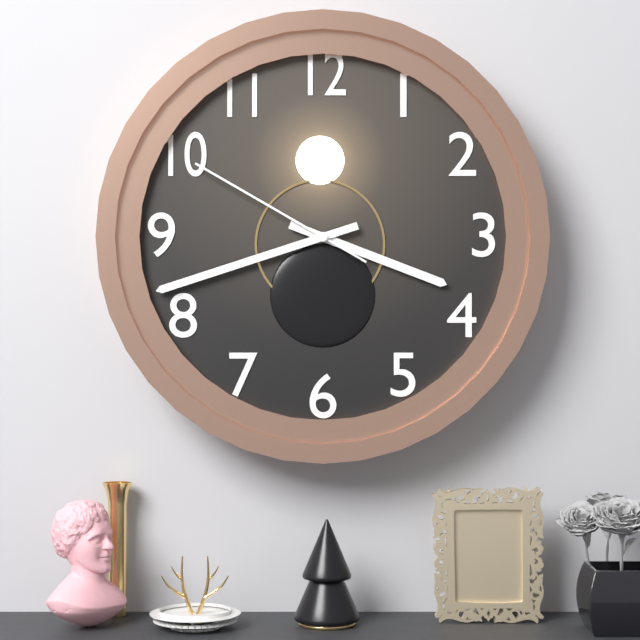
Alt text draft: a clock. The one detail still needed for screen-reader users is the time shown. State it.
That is 3:42:50
